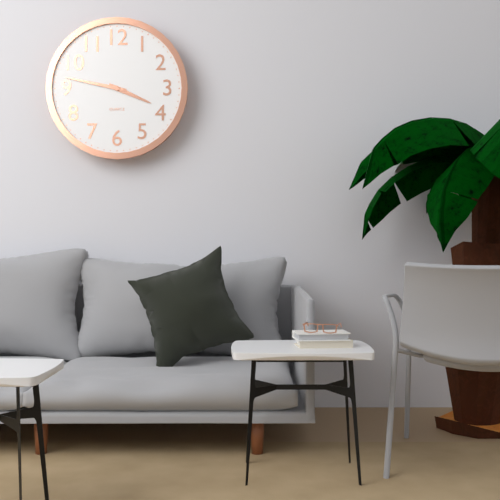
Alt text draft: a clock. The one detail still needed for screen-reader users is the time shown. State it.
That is 3:47
